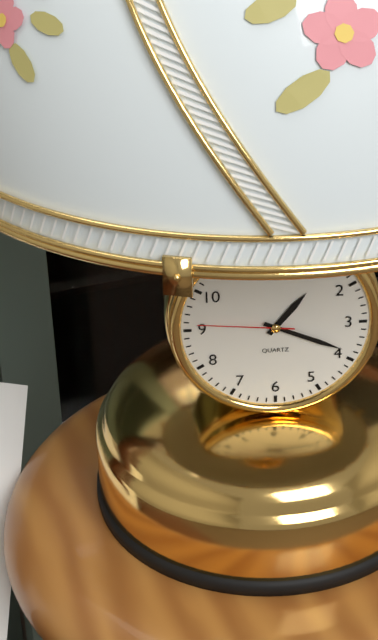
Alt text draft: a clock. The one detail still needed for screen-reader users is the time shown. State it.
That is 1:19:46
